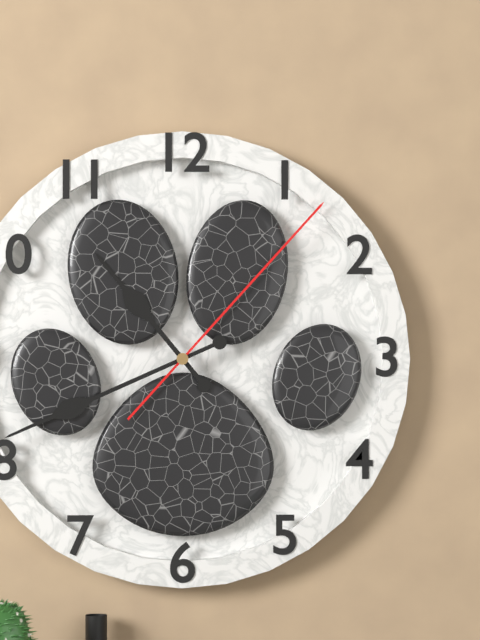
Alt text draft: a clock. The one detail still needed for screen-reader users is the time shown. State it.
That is 10:41:07
